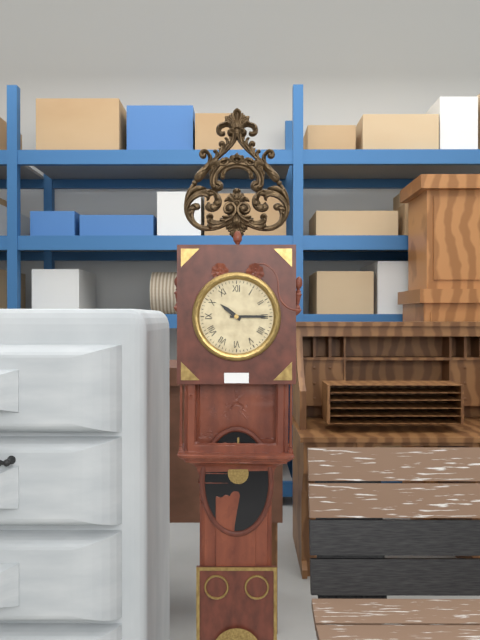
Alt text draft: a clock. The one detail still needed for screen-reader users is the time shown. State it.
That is 10:15
